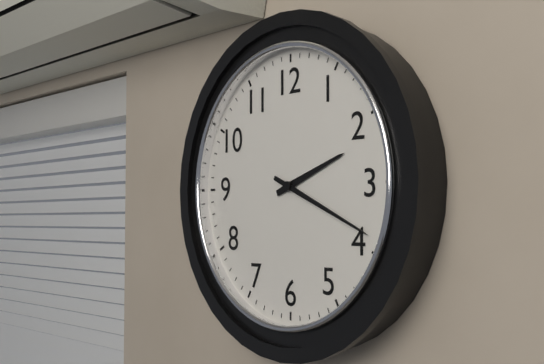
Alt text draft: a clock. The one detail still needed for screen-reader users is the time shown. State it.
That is 2:19
